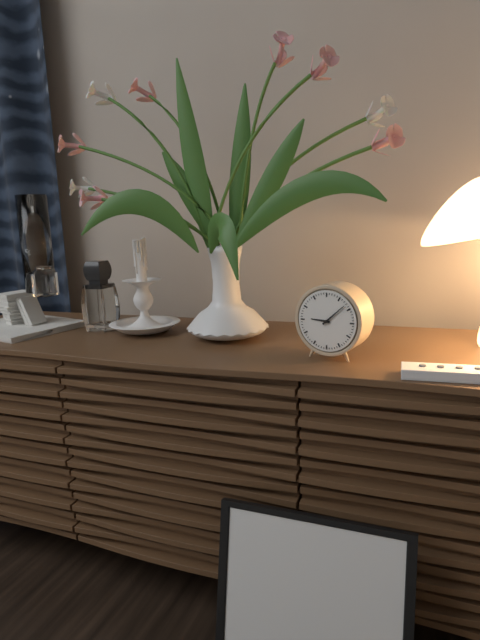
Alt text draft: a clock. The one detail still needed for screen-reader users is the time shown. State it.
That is 9:08
